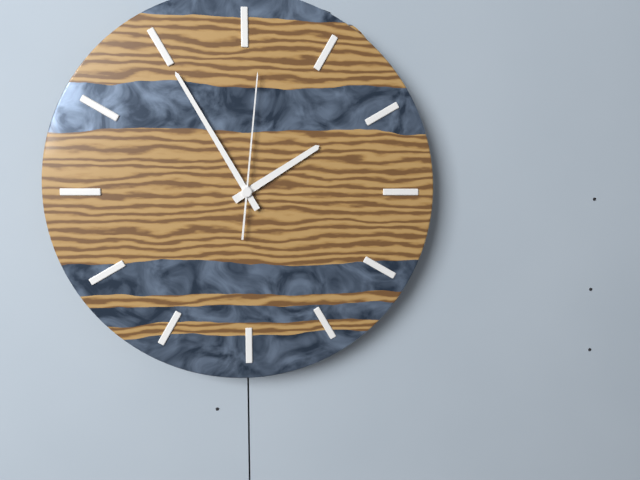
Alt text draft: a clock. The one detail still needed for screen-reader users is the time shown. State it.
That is 1:55:01
